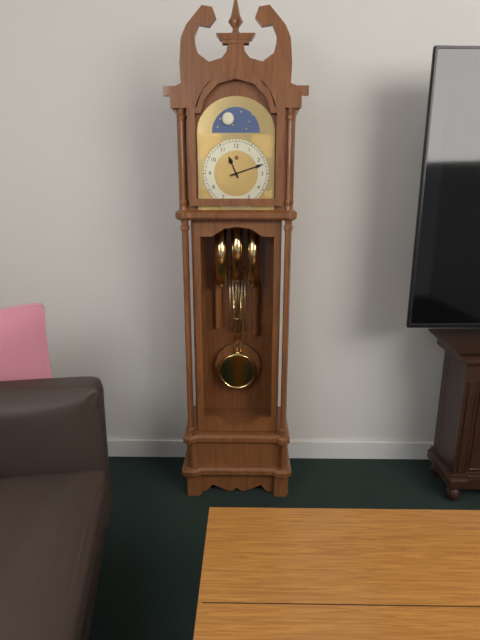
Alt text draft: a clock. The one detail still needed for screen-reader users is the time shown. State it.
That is 11:12
